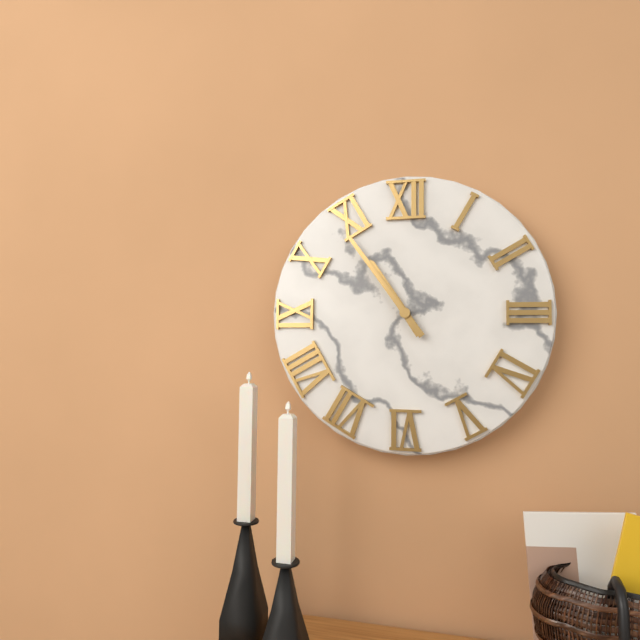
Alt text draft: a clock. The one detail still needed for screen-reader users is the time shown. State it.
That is 10:54
